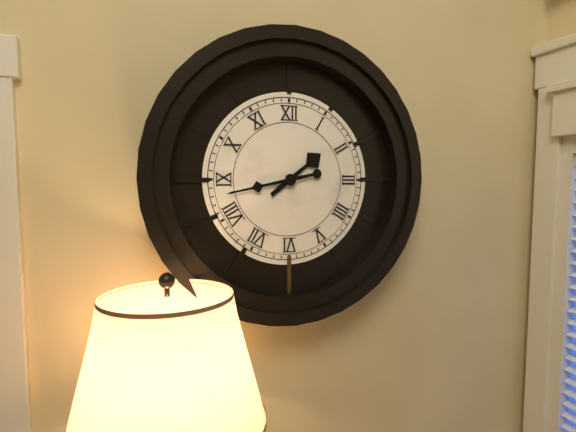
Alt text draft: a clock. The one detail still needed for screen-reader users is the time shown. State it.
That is 1:43
